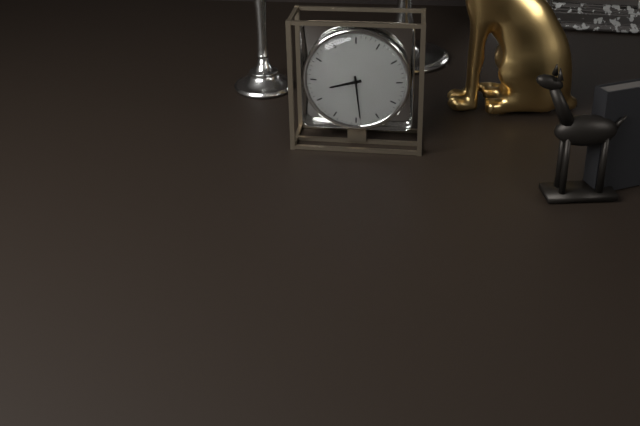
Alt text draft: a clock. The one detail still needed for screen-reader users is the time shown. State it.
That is 8:29
